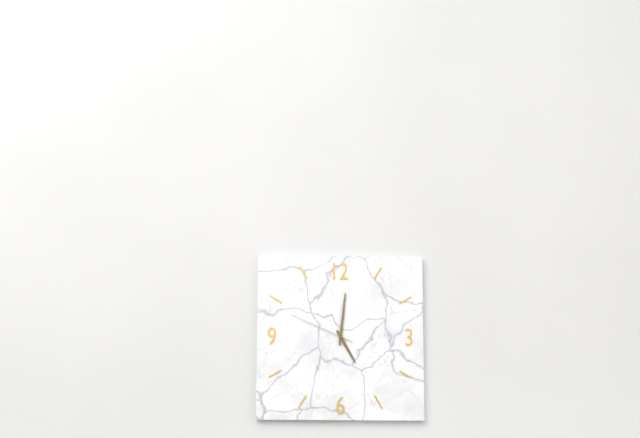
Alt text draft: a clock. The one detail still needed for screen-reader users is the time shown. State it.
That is 5:01:49
